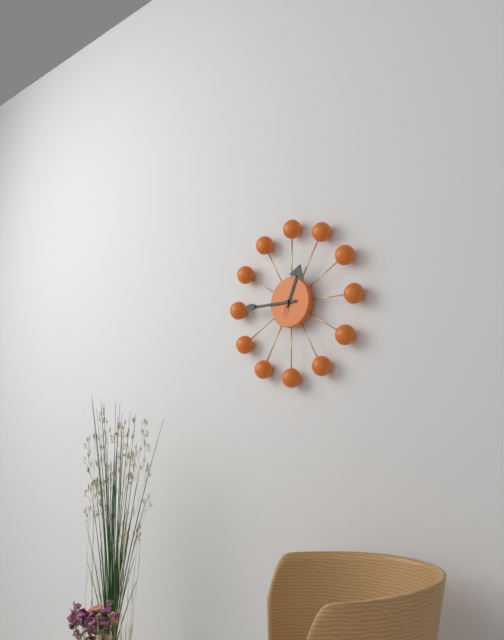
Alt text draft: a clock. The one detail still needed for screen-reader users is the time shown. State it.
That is 12:45
